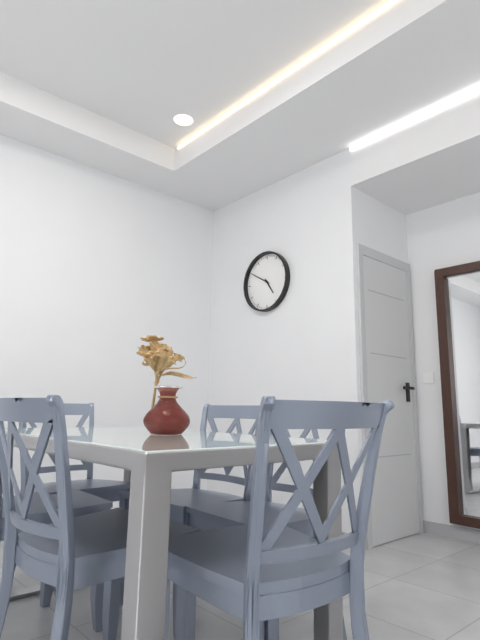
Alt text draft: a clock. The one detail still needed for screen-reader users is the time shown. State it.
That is 4:50
